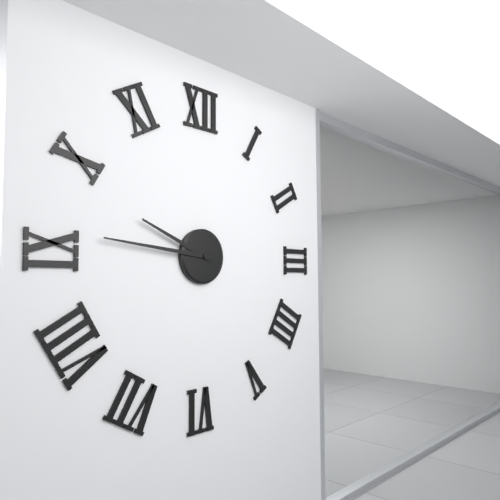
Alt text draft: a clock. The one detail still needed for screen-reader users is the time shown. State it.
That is 9:46
